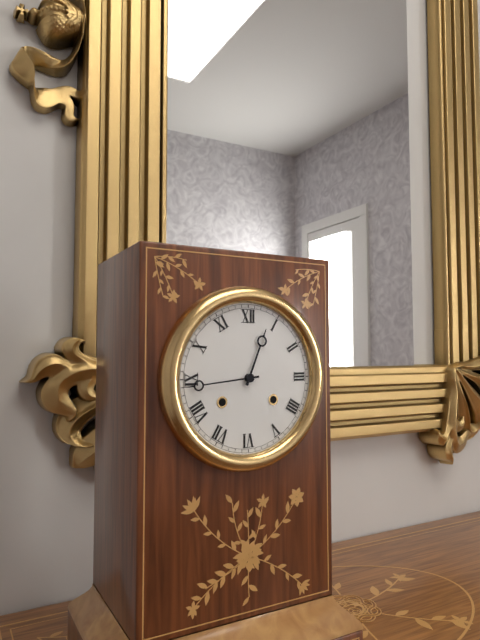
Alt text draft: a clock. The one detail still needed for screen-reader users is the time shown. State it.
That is 12:44
